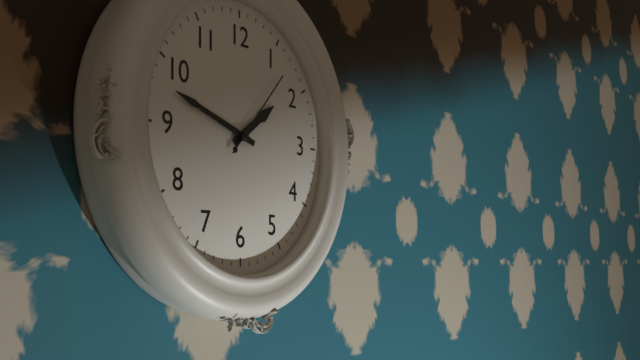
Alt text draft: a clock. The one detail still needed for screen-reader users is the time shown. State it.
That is 1:48:07
